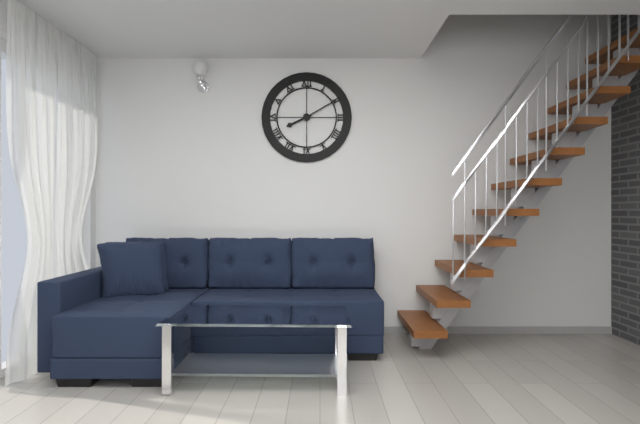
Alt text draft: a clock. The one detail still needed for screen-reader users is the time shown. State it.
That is 8:10
